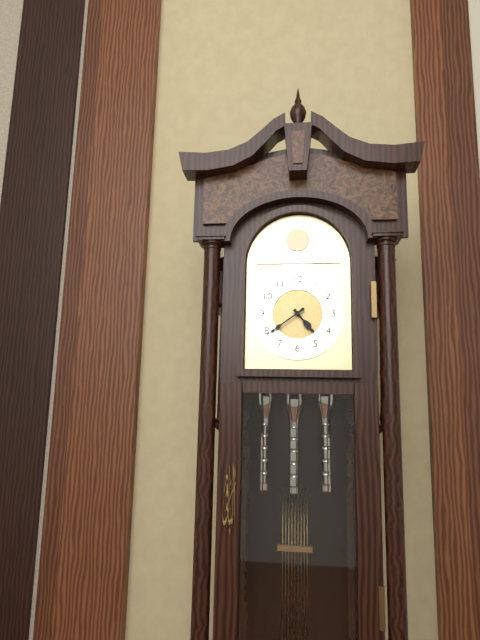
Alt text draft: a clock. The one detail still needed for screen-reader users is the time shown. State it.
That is 4:39
